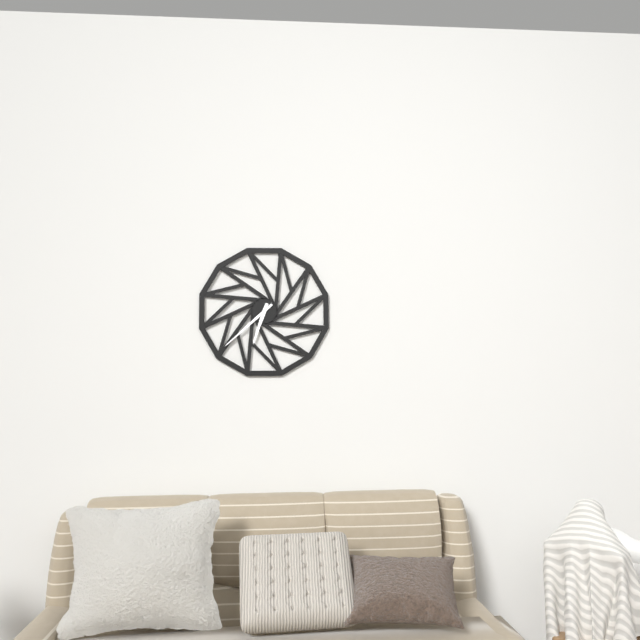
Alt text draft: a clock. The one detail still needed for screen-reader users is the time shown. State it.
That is 6:38
